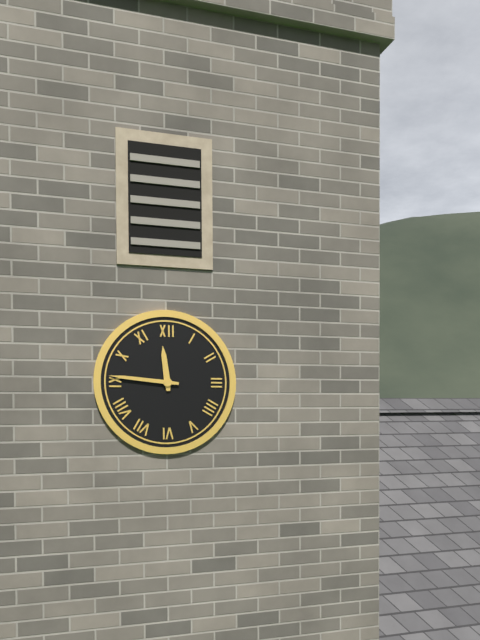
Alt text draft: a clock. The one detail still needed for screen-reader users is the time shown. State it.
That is 11:46
